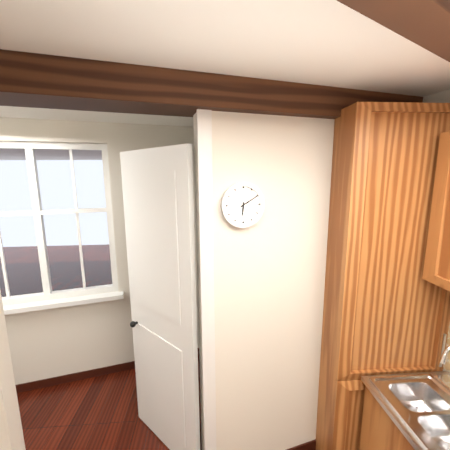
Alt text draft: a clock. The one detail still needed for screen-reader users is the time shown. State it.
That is 6:10
